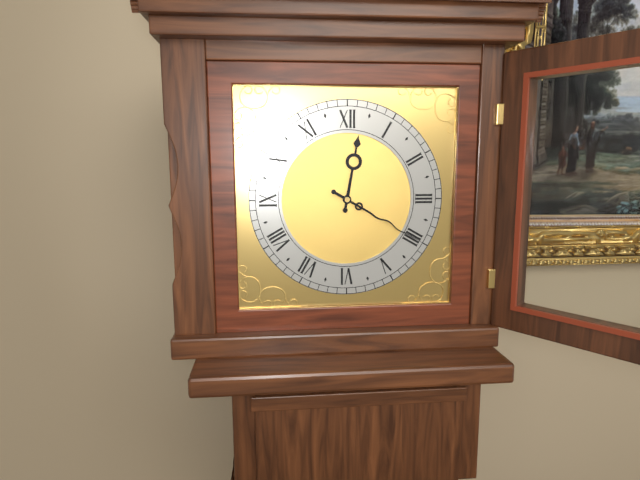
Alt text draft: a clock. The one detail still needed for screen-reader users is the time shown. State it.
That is 12:20
